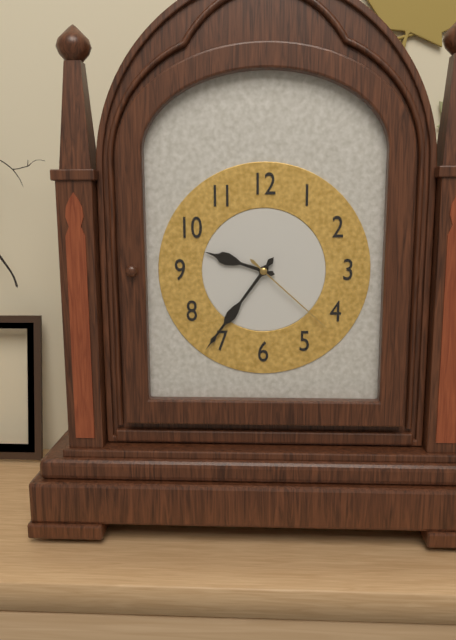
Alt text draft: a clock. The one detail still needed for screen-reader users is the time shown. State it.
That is 9:36:22
